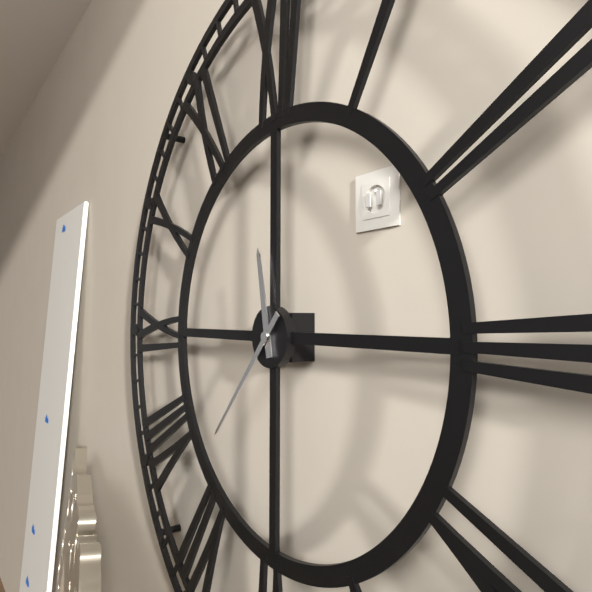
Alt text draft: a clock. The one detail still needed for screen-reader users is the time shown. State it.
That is 11:37
